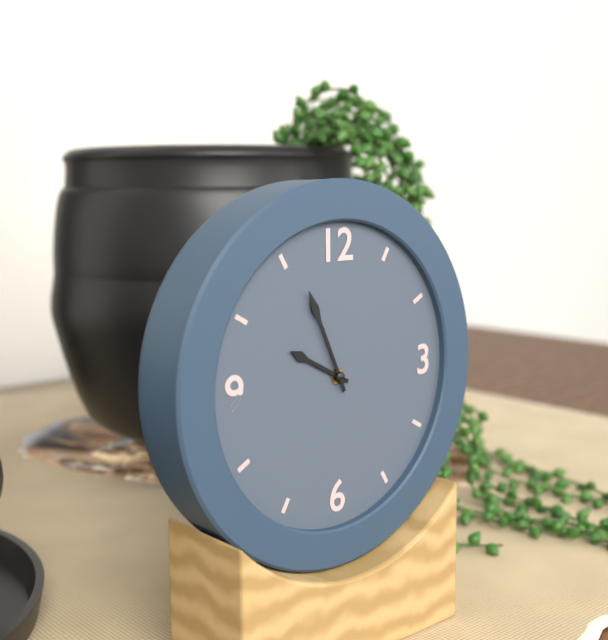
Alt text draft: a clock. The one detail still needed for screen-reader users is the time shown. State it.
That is 9:56
